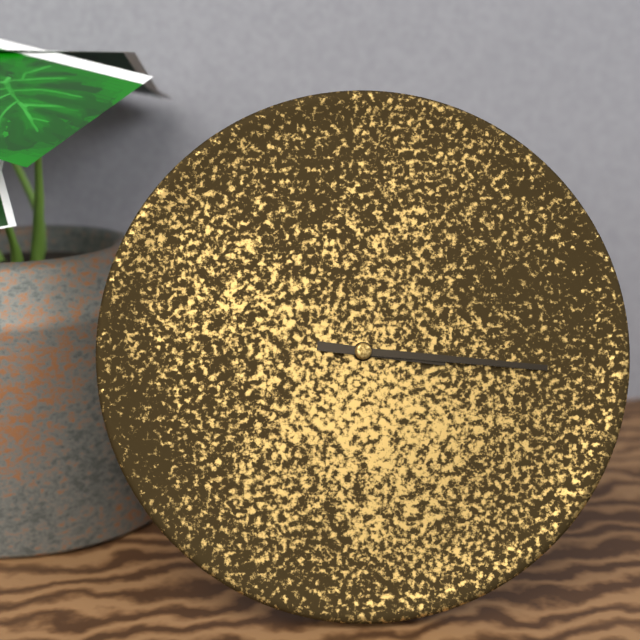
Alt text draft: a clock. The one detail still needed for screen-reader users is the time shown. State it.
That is 3:16
